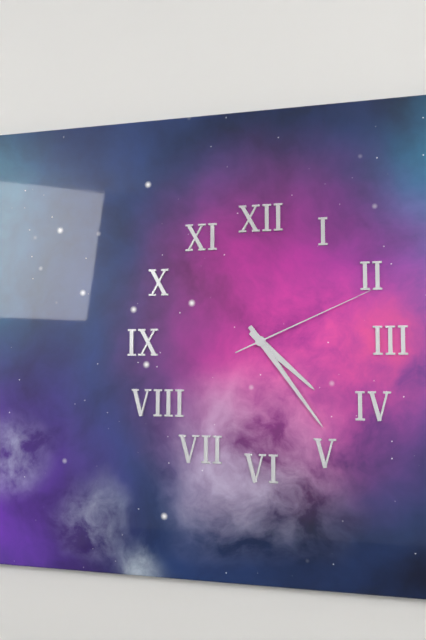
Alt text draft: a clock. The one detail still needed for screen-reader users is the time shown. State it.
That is 4:24:11
